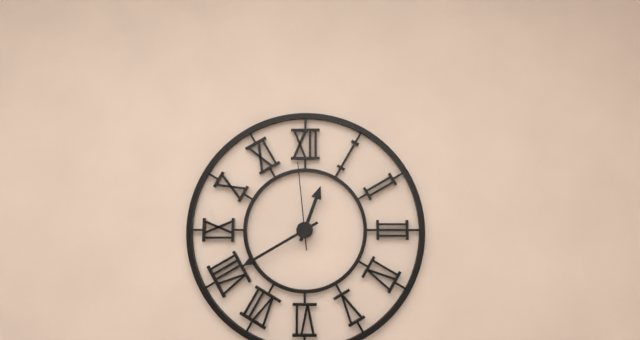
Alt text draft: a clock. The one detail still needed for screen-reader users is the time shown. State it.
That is 12:40:59
